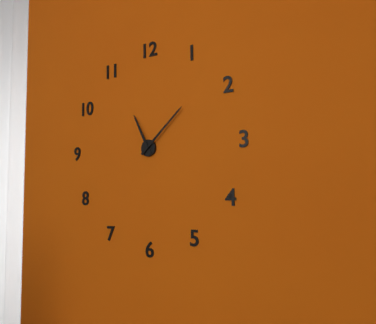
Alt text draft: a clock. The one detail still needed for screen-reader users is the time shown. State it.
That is 11:08
